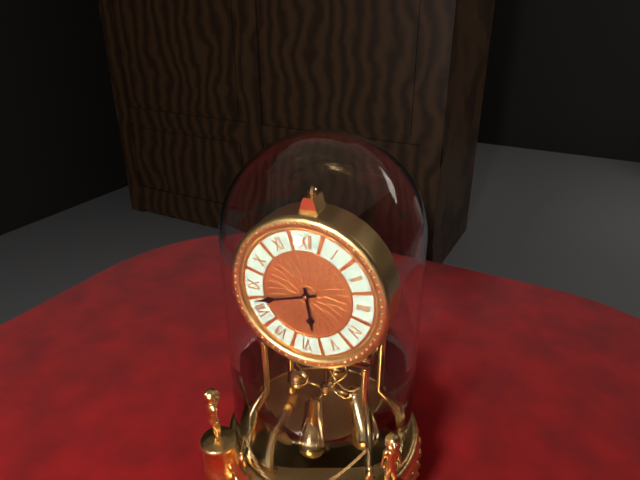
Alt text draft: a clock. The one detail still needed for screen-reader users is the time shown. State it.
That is 5:42
